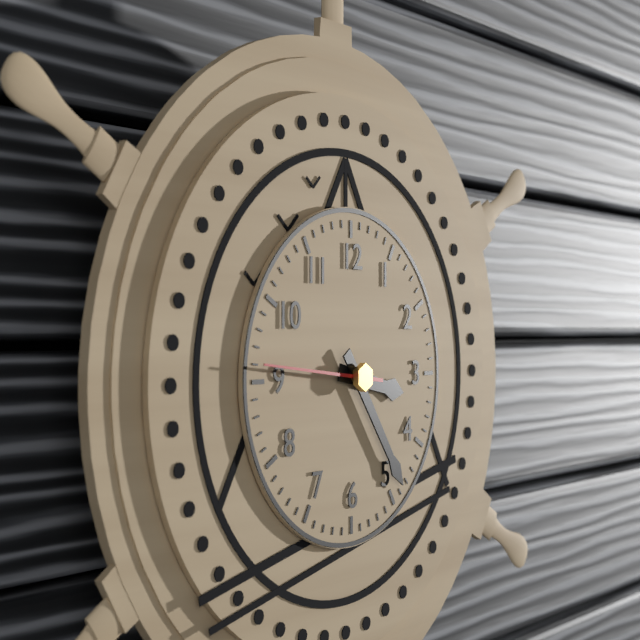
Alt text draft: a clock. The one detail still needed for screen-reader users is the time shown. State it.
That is 3:24:46
